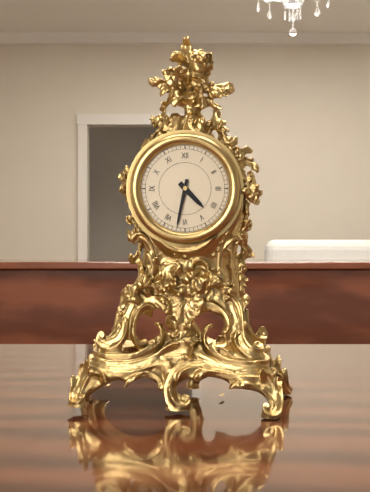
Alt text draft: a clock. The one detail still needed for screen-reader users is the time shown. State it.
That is 4:32
